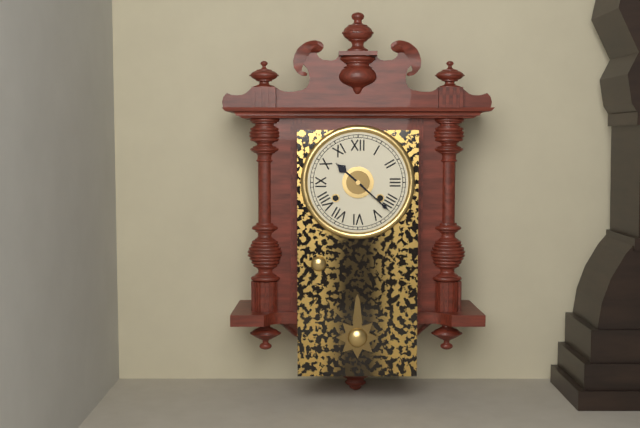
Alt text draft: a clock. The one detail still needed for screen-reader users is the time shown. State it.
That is 10:22
